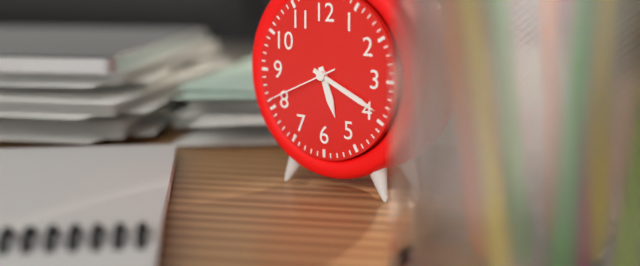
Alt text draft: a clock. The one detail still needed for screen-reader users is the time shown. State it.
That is 5:19:41
